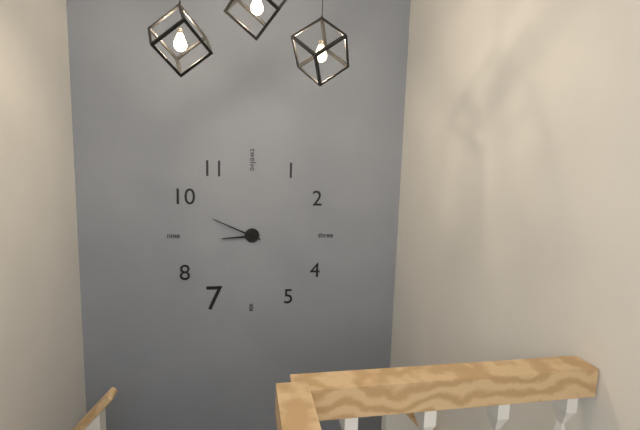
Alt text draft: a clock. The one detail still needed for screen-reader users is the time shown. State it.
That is 8:49
